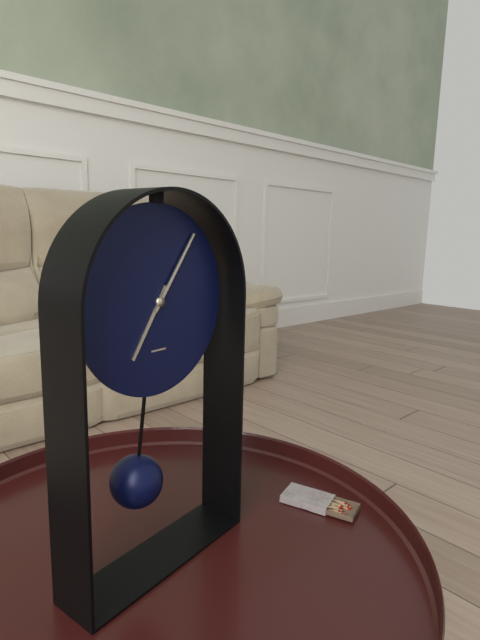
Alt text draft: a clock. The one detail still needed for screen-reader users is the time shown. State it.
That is 7:06
